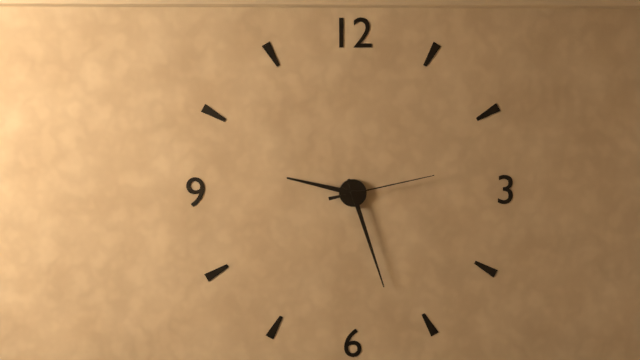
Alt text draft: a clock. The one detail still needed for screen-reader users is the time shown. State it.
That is 9:27:13
